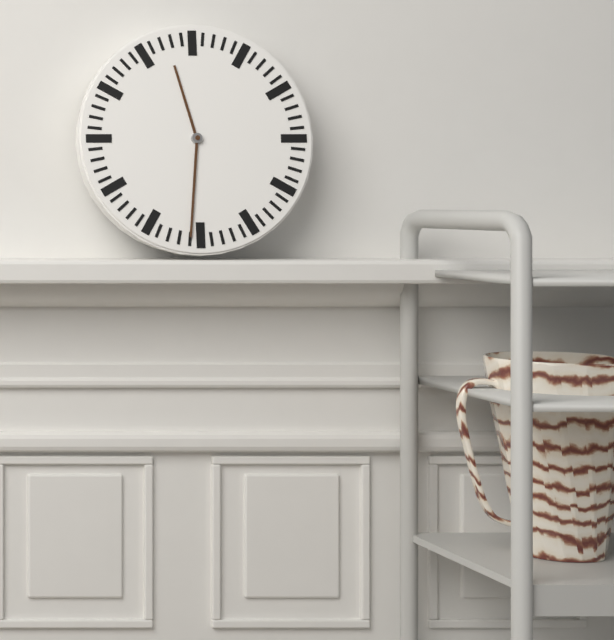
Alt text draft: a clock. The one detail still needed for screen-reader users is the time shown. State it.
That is 11:31
